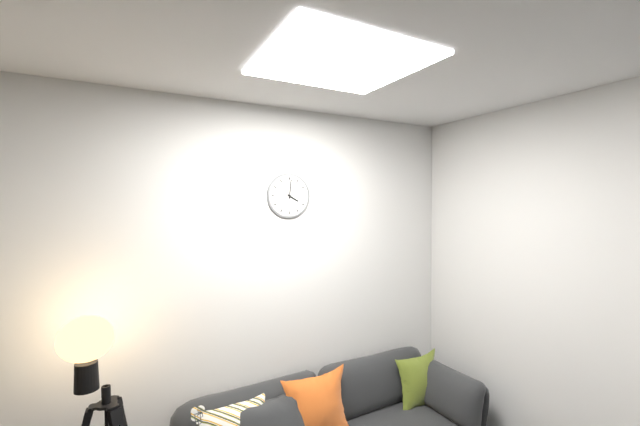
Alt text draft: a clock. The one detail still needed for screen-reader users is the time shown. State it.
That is 4:01
